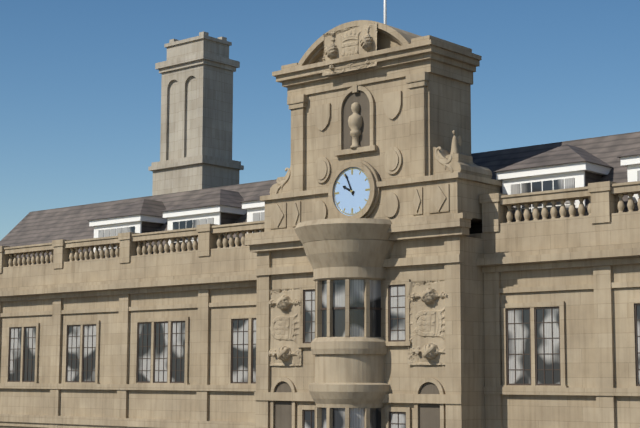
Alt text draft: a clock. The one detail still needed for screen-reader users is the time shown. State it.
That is 9:56
